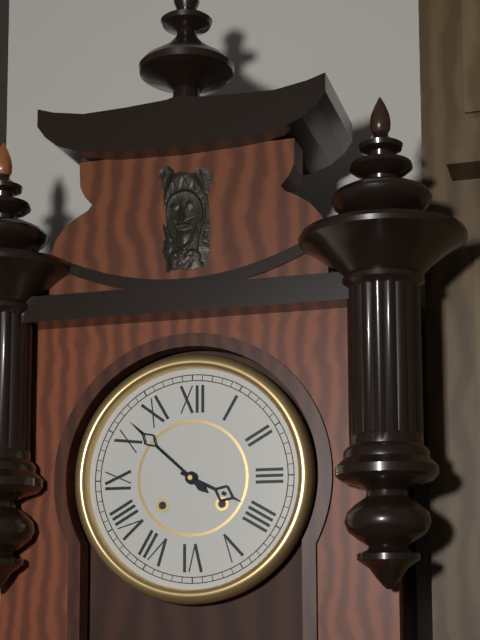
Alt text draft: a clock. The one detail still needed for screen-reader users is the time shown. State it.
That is 3:52
